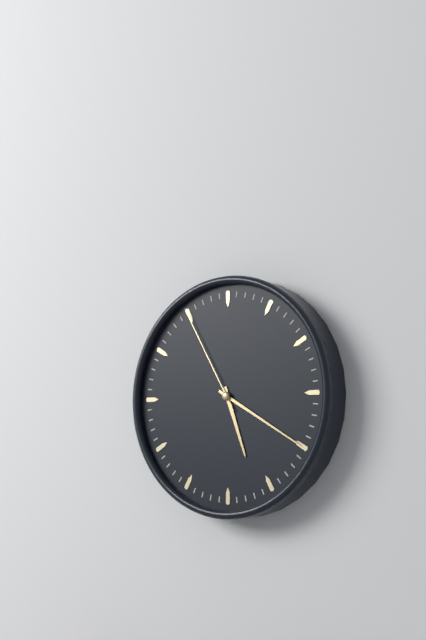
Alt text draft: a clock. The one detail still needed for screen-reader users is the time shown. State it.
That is 5:20:55
